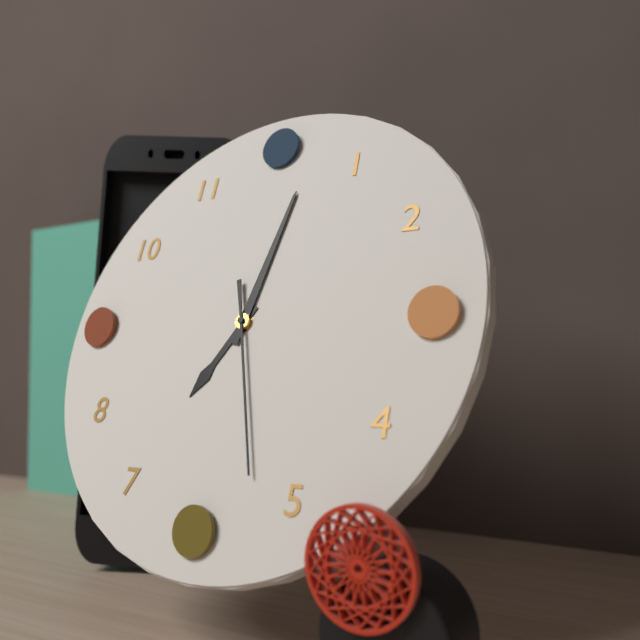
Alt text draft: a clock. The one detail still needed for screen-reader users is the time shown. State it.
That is 7:02:27
